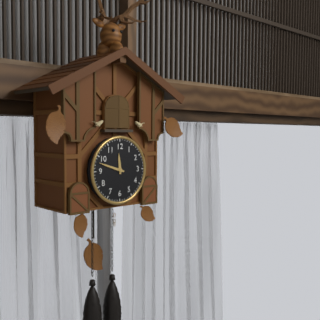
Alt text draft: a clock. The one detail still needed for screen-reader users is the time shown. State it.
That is 11:48
